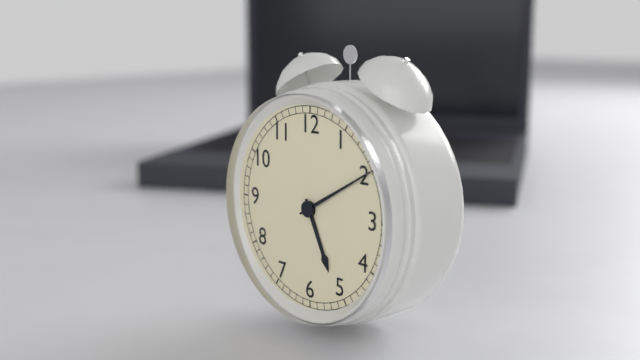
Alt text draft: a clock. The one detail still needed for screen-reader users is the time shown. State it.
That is 5:10
